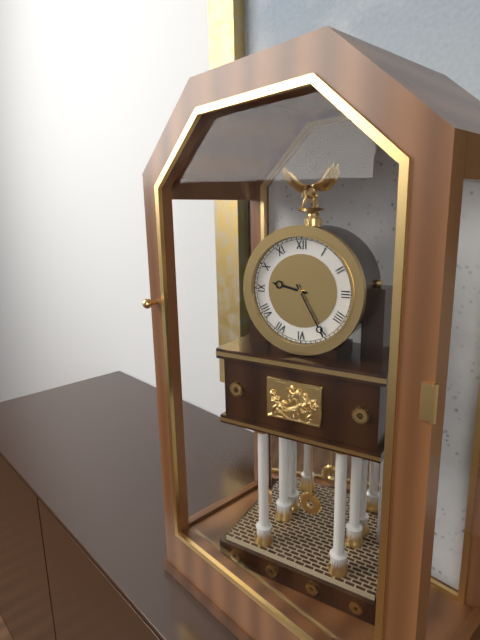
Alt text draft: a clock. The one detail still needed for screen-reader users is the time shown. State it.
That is 9:25
